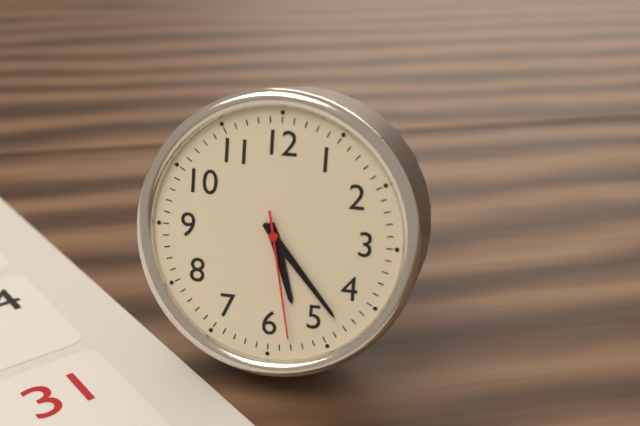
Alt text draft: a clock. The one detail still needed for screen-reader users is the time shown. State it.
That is 5:23:28
